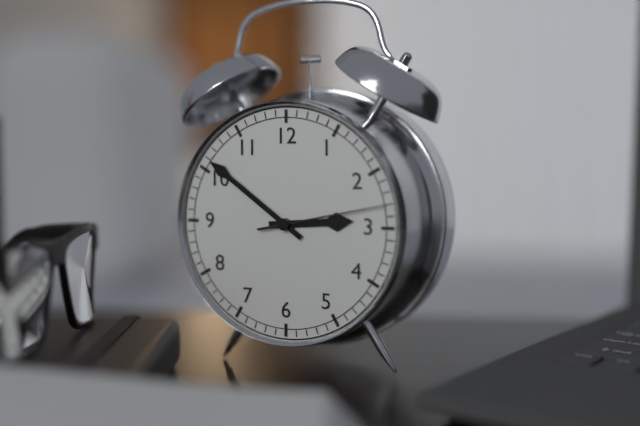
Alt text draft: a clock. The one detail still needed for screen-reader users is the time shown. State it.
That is 2:51:13
